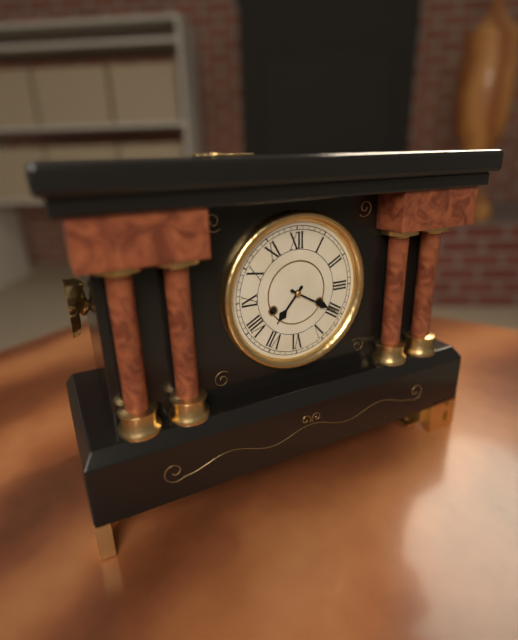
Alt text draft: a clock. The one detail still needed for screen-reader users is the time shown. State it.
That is 7:20
